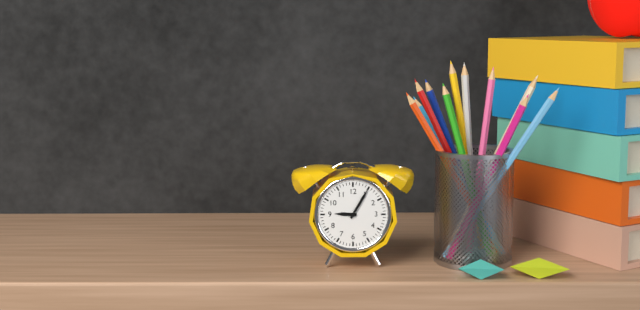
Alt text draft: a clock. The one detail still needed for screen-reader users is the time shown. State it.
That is 9:05
